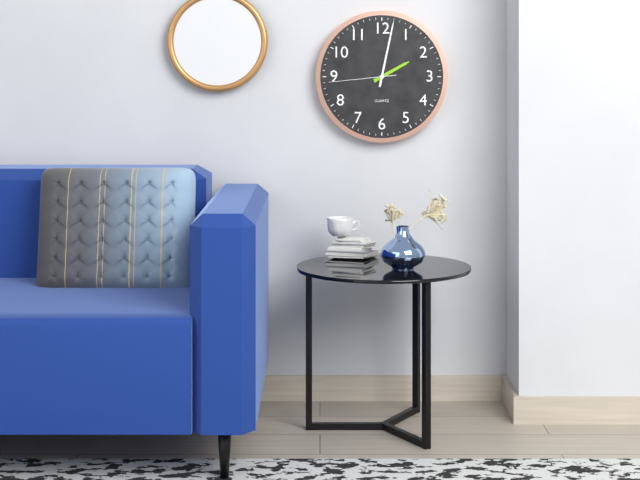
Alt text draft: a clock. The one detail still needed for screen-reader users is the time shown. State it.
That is 2:02:44
